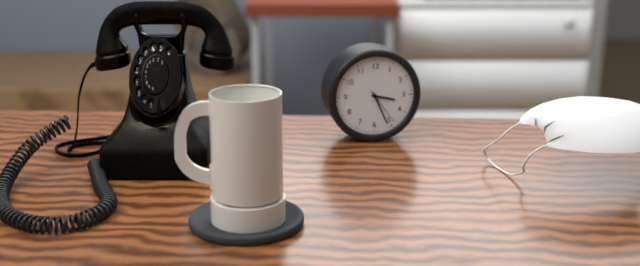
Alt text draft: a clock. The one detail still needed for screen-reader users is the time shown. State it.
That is 3:26
